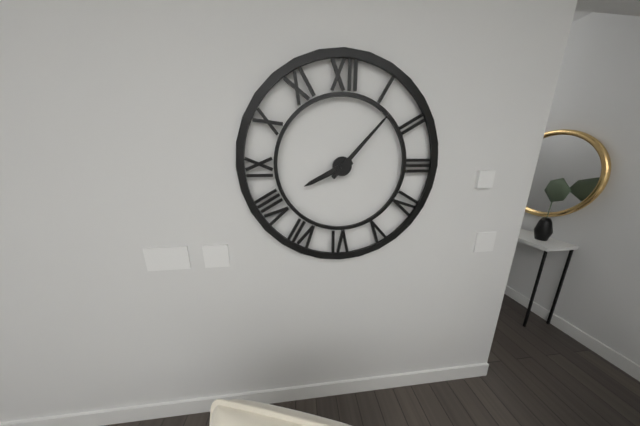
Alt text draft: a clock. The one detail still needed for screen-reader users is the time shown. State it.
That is 8:07
